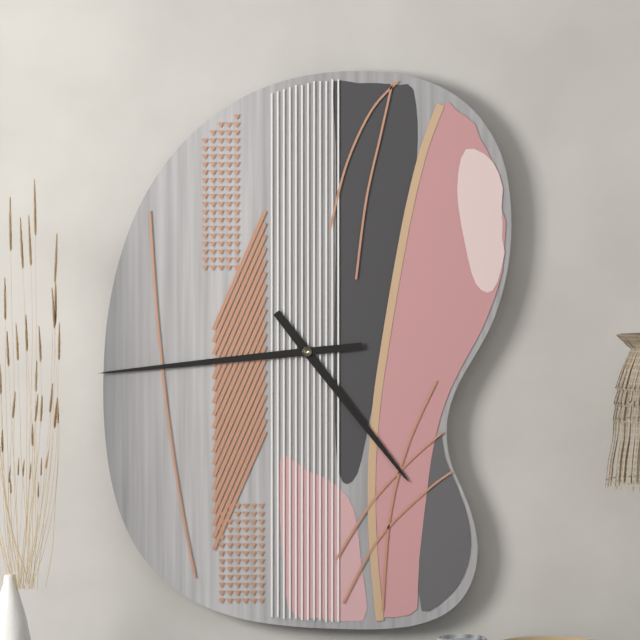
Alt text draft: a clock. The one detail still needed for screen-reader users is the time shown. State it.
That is 4:44
